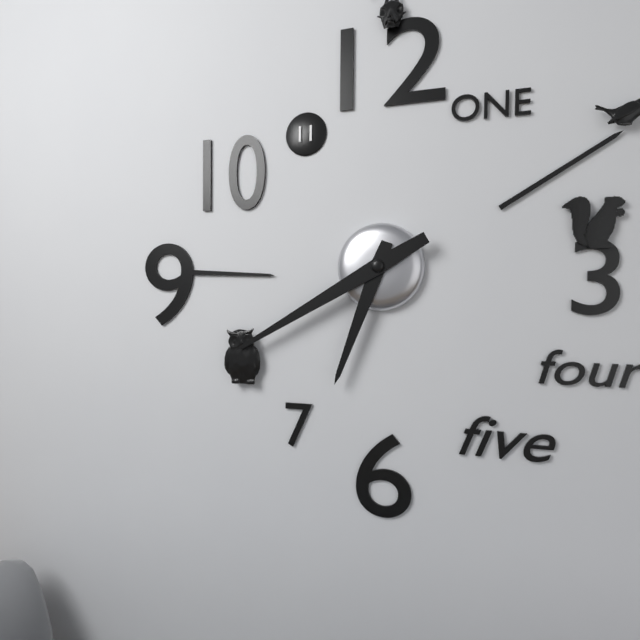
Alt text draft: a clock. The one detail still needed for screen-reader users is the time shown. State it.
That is 6:40
